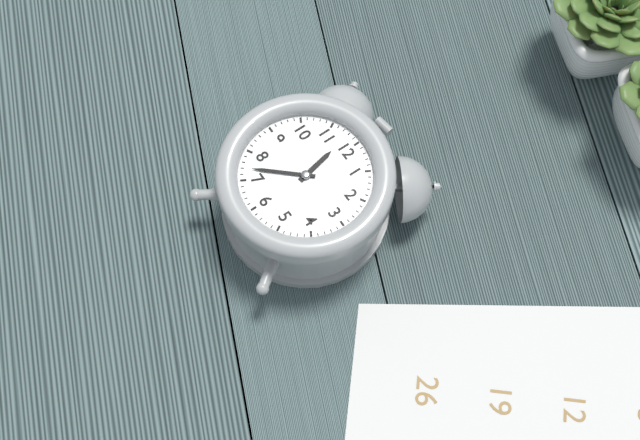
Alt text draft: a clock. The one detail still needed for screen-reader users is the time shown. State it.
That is 11:37
